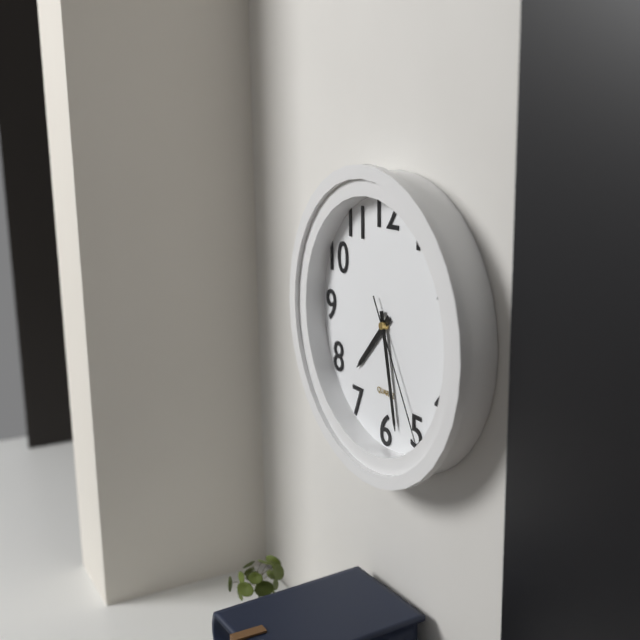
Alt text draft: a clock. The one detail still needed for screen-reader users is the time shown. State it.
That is 7:28:25
